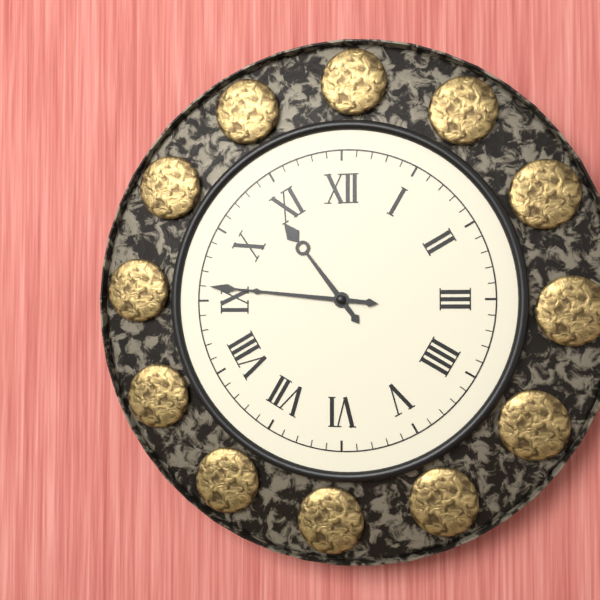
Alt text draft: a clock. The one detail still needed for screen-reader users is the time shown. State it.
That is 10:46
